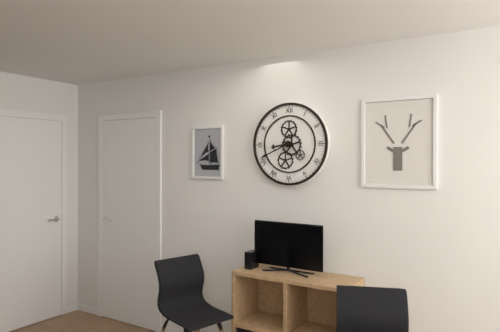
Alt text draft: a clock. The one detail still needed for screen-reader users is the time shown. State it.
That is 8:41
